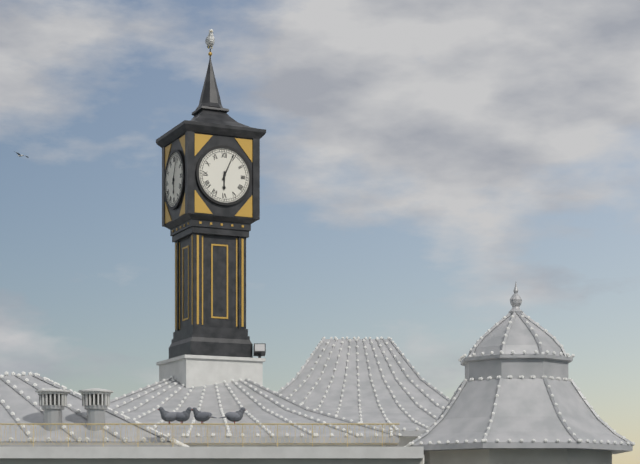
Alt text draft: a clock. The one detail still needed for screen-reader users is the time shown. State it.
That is 6:04
